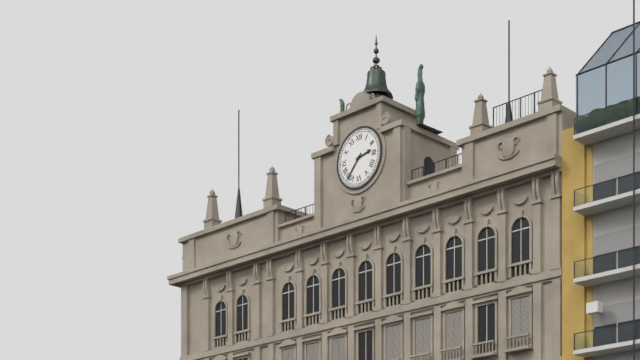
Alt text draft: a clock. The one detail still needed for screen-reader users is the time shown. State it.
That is 2:37
